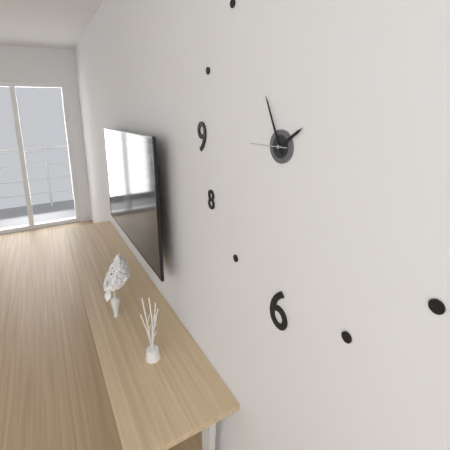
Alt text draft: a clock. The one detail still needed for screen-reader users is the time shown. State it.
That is 1:56
